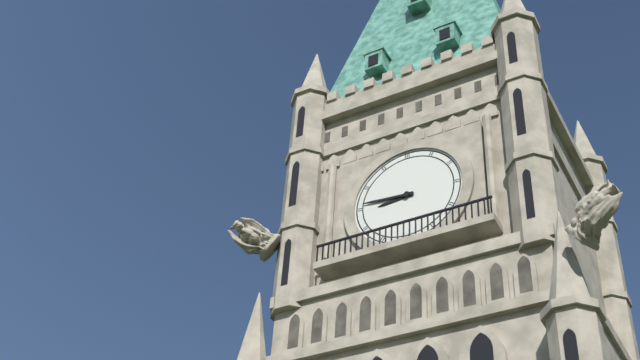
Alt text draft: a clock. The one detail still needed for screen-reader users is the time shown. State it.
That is 8:46
